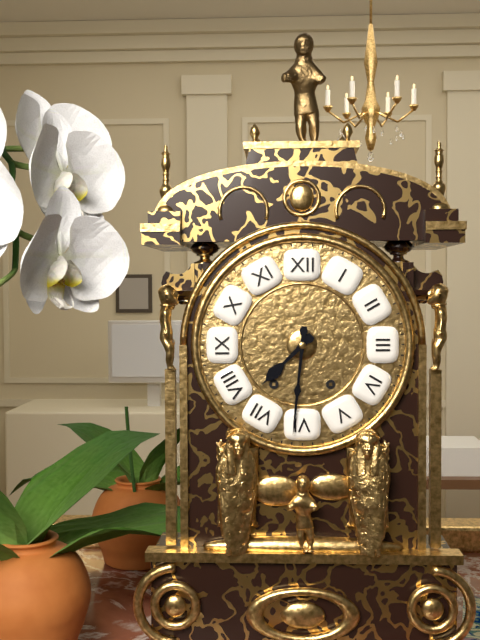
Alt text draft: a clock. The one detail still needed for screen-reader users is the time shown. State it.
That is 7:31
